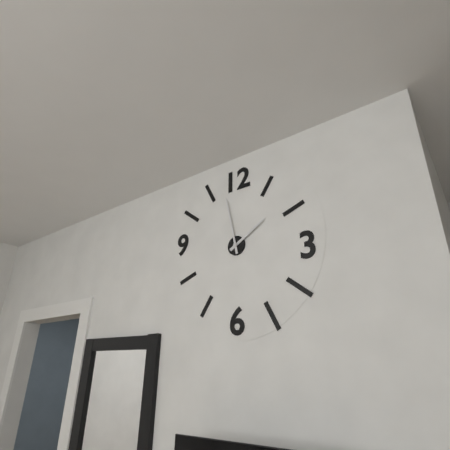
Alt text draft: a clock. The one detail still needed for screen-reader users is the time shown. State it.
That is 1:58
